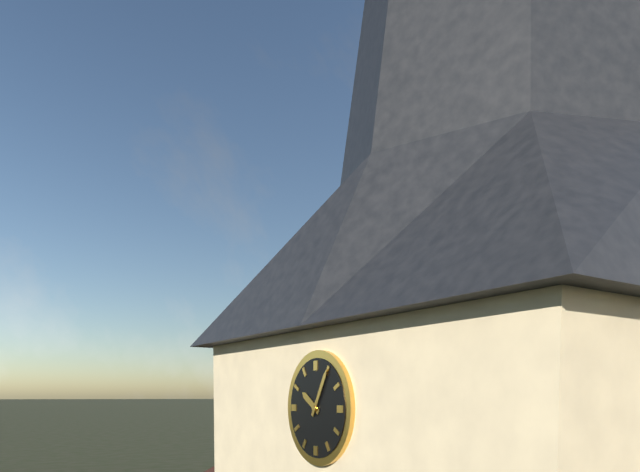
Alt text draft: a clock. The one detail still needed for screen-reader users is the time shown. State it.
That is 10:05
